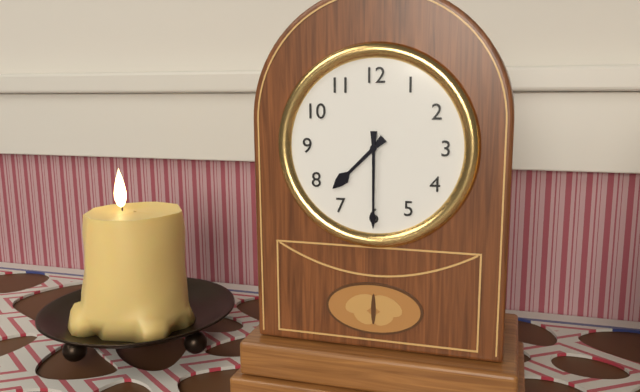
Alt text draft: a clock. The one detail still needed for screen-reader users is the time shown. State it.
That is 7:30
